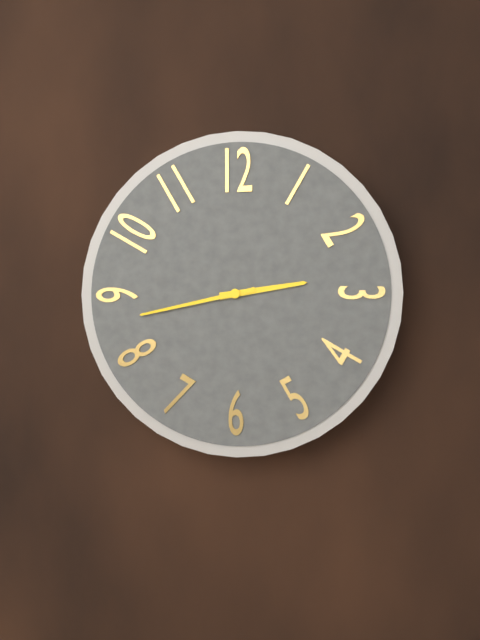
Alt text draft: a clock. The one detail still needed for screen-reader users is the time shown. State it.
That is 2:43
